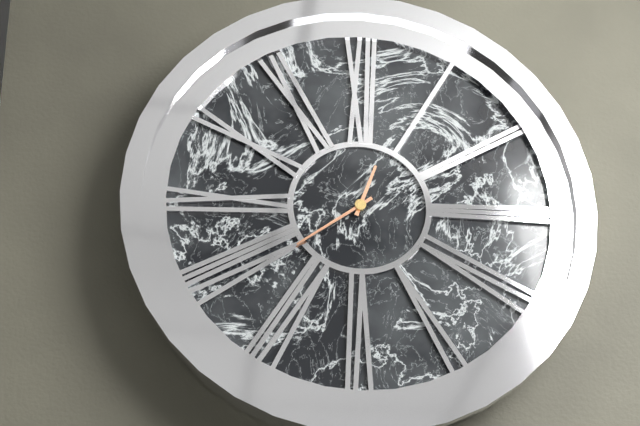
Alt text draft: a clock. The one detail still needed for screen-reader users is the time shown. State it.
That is 12:39
